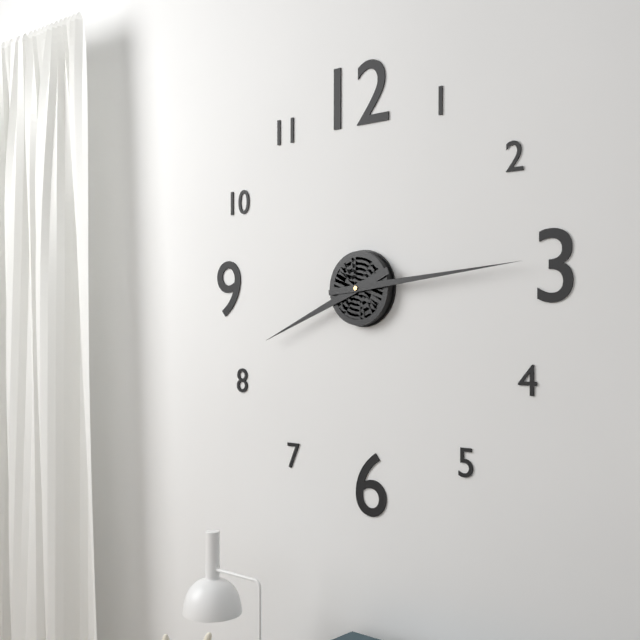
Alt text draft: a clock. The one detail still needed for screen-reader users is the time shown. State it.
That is 8:14
